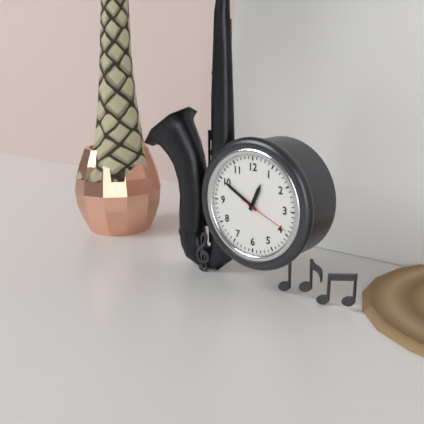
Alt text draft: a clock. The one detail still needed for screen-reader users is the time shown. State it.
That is 12:50:19
